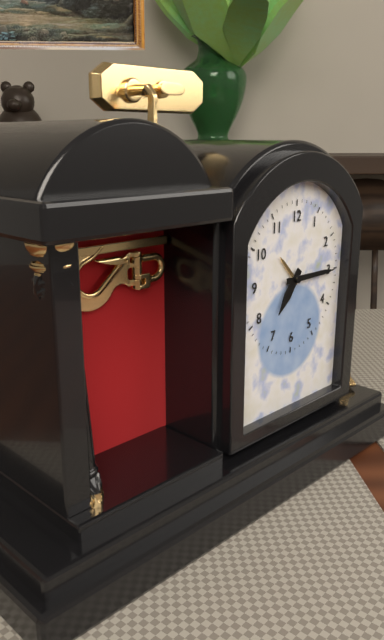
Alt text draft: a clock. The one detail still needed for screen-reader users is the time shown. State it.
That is 7:15
